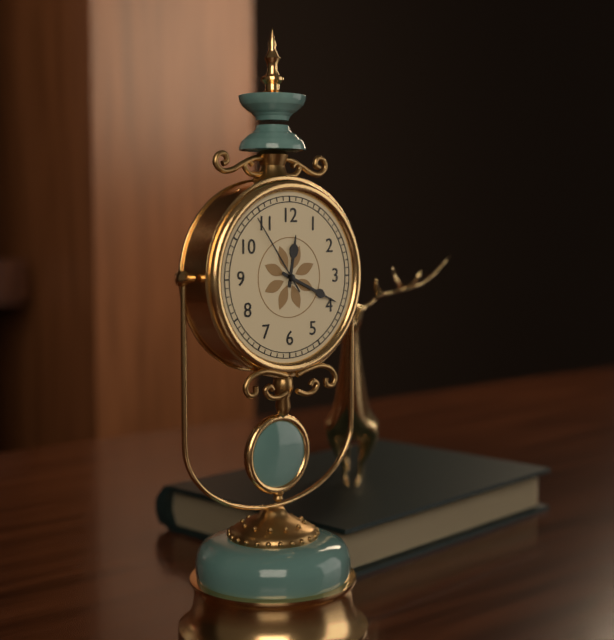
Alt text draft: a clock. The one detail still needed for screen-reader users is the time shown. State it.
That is 12:19:54
